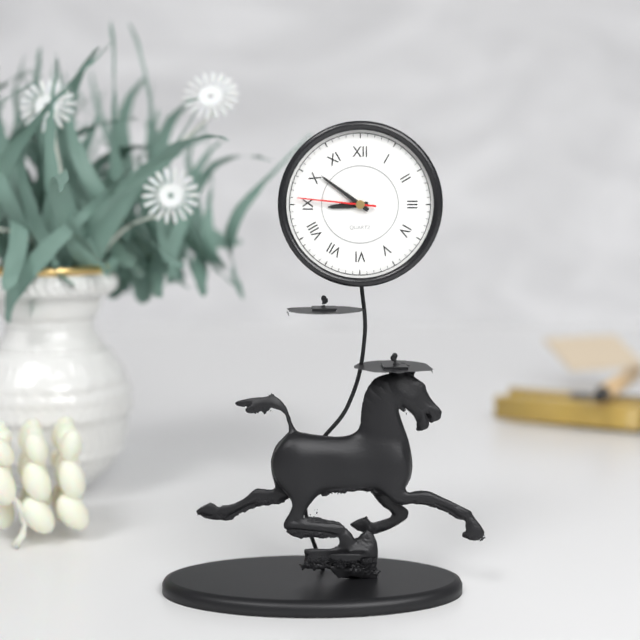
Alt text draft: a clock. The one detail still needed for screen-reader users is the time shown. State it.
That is 8:51:46
